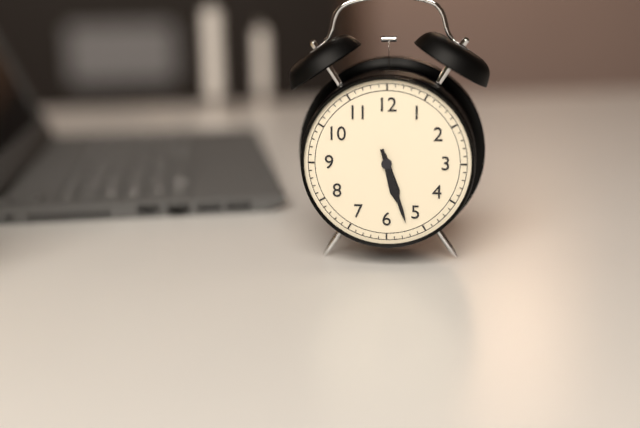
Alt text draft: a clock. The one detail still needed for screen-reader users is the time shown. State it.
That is 5:27
